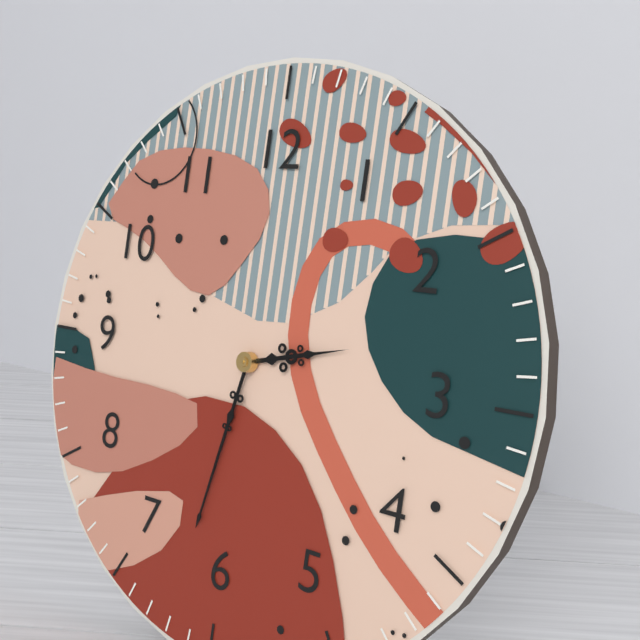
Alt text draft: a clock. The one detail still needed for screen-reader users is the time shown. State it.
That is 2:32
